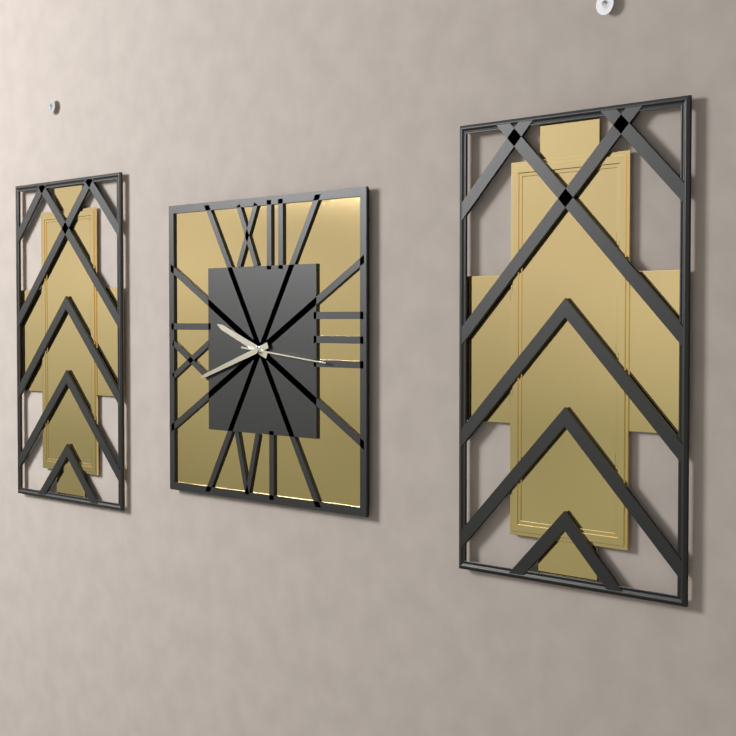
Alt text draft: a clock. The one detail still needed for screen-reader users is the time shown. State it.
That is 9:42:16
